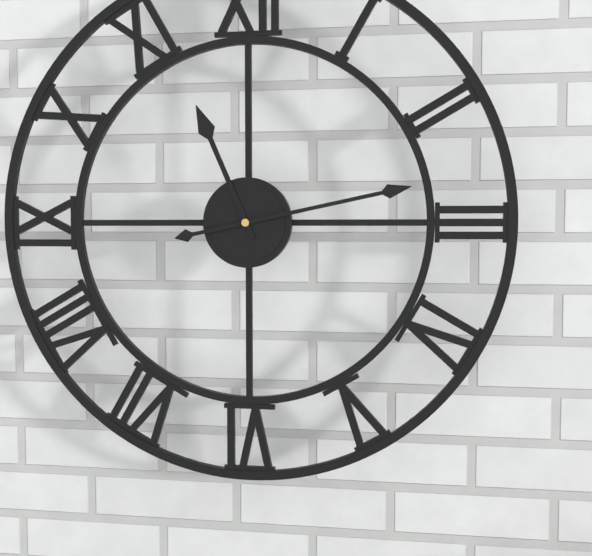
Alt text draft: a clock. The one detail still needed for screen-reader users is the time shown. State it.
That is 11:13
